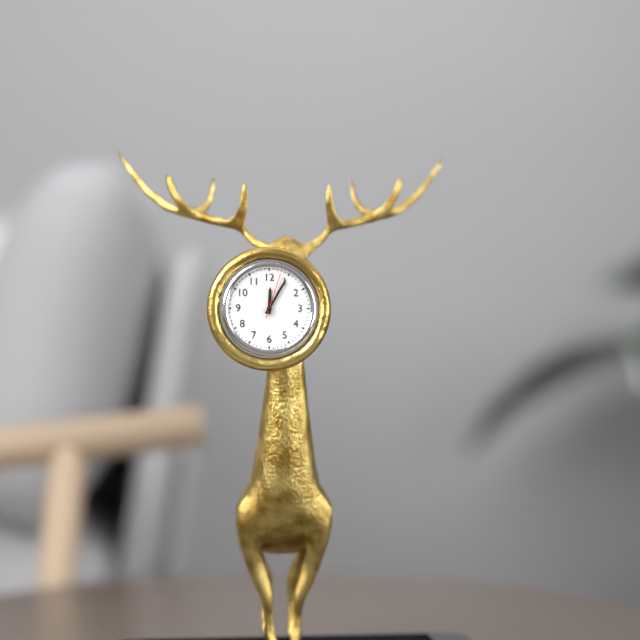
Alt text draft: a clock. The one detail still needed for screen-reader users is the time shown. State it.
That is 12:05
